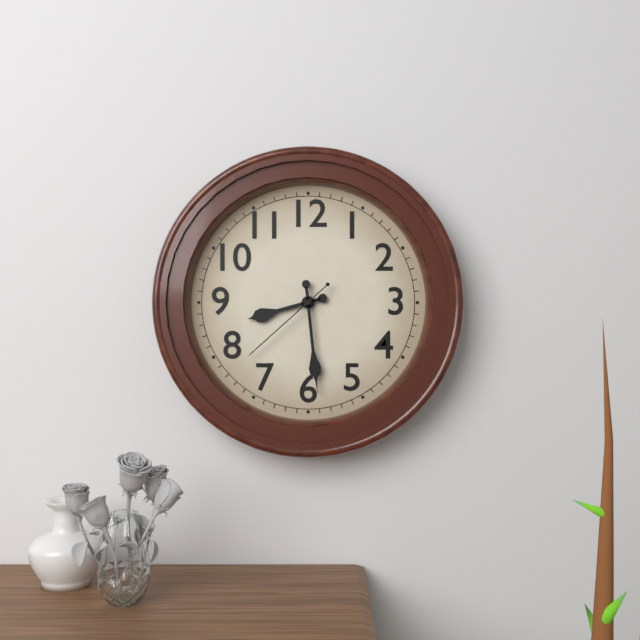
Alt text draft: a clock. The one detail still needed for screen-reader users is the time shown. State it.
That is 8:29:38
